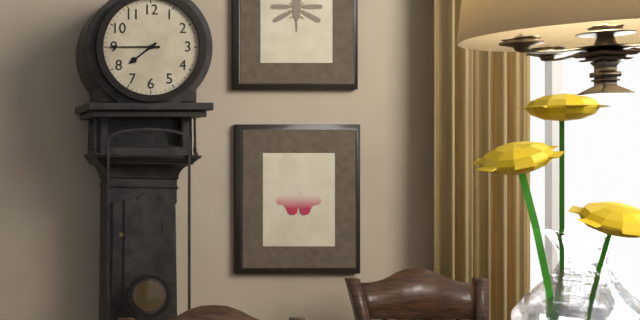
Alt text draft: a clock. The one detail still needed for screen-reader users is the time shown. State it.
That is 7:45
